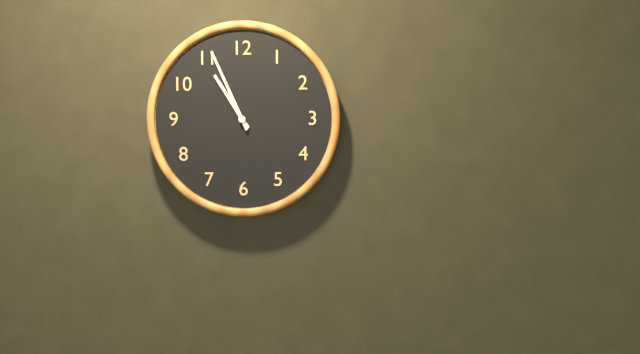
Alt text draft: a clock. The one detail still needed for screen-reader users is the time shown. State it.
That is 10:56
